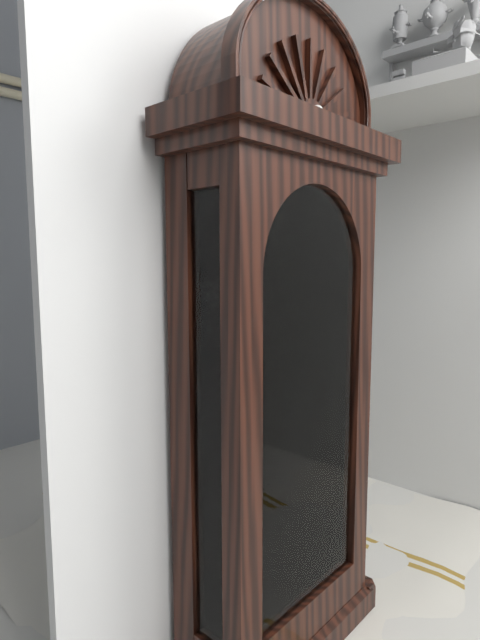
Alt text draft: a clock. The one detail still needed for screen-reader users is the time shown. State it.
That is 7:58
